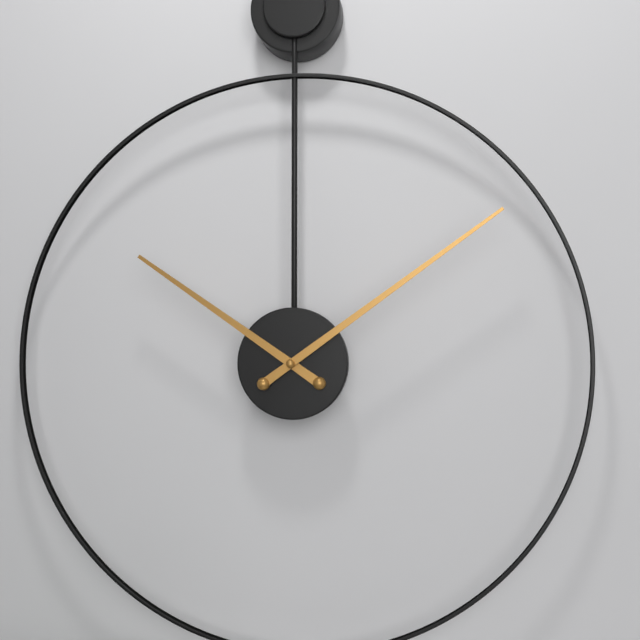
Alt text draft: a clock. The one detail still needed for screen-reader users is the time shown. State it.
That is 10:09
